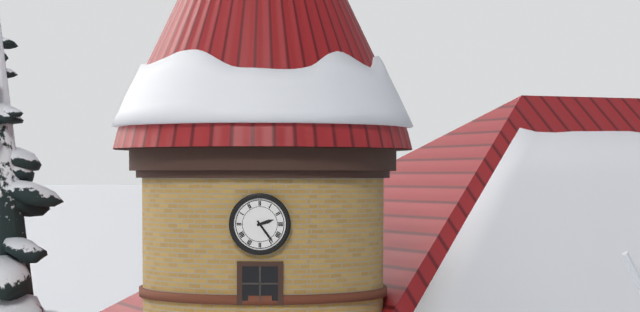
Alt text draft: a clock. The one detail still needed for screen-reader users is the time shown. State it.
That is 2:24
